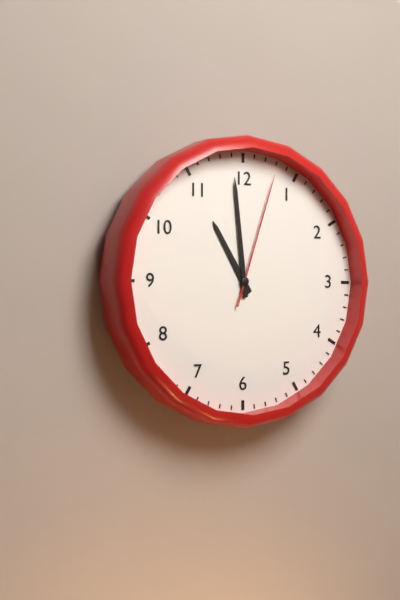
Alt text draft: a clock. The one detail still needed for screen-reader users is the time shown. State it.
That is 10:59:03
